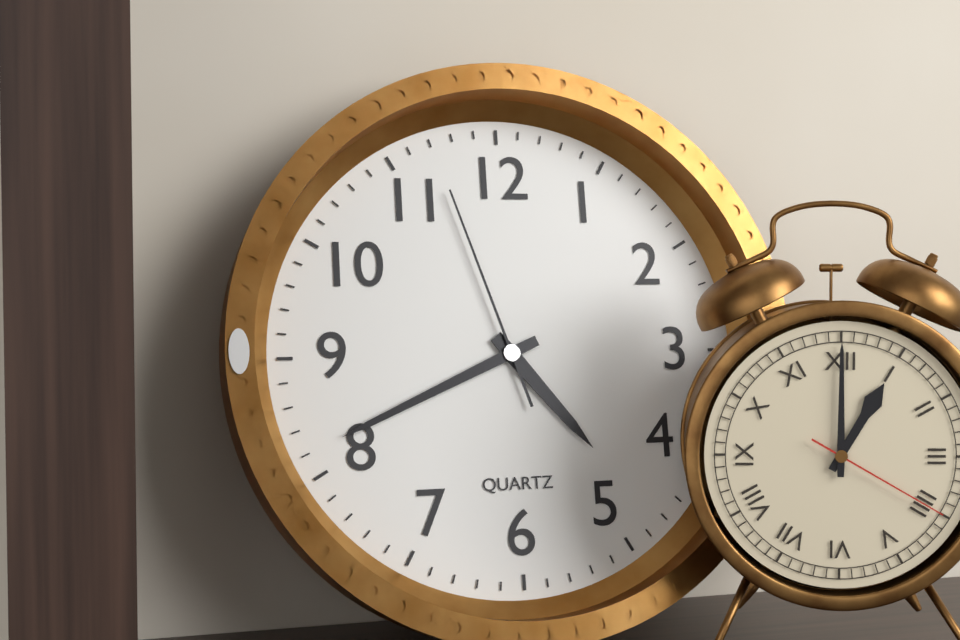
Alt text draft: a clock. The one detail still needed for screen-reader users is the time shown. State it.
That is 4:41:57
